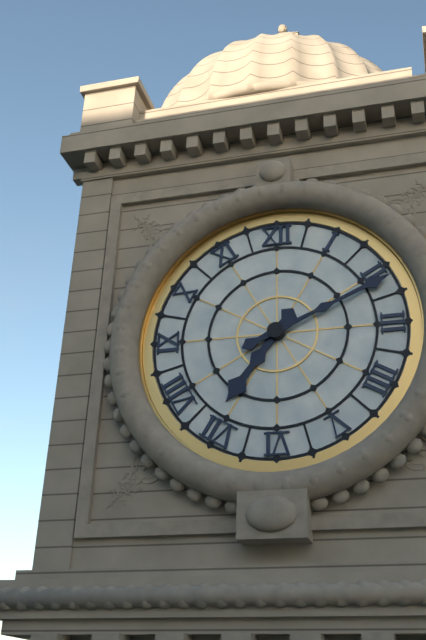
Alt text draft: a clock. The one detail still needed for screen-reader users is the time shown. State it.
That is 7:11
